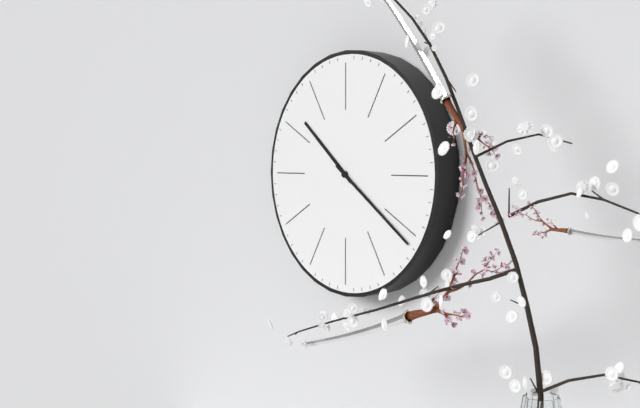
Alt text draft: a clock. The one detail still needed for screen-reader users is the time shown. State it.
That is 10:21
